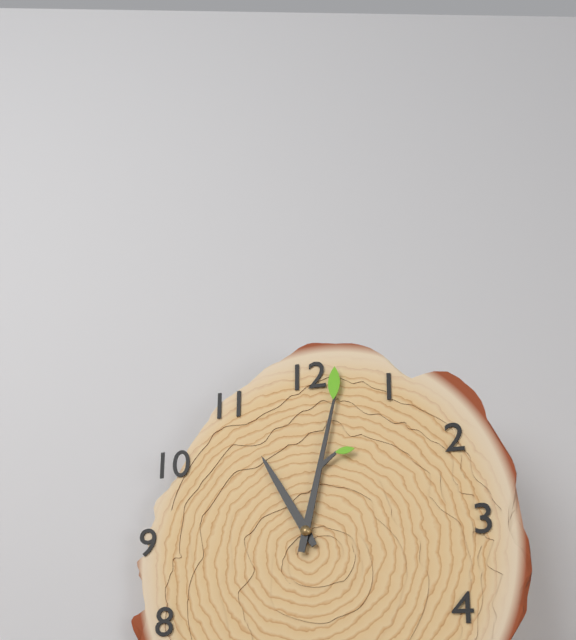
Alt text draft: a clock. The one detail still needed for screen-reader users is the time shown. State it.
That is 11:02
